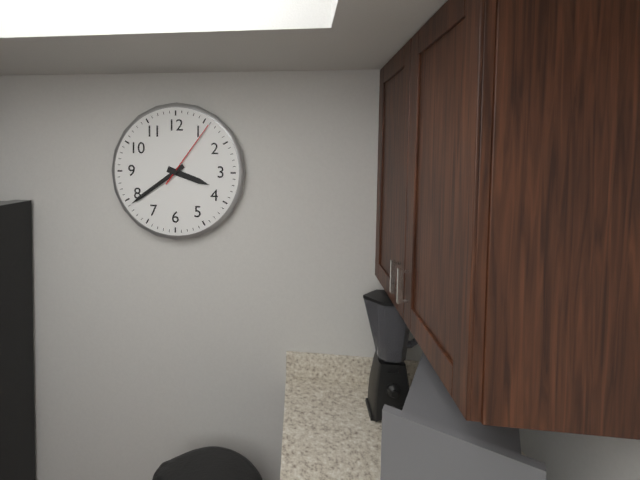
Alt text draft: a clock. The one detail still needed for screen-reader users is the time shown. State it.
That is 3:39:06
